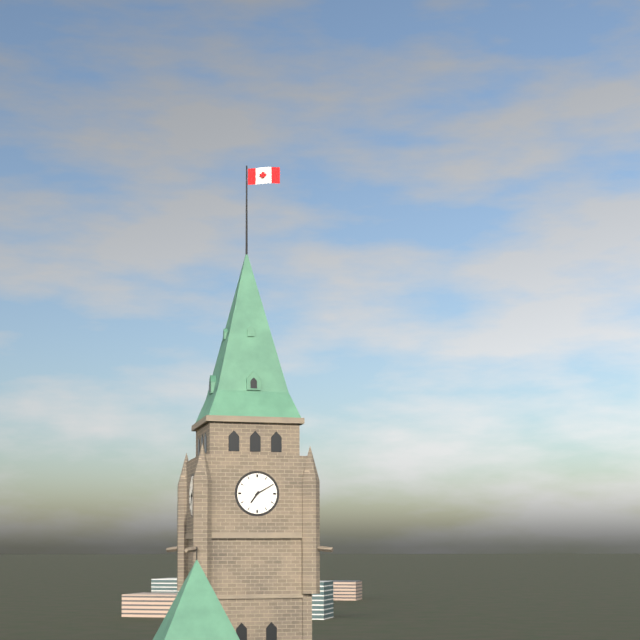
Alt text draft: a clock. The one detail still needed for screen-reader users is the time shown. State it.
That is 7:10
